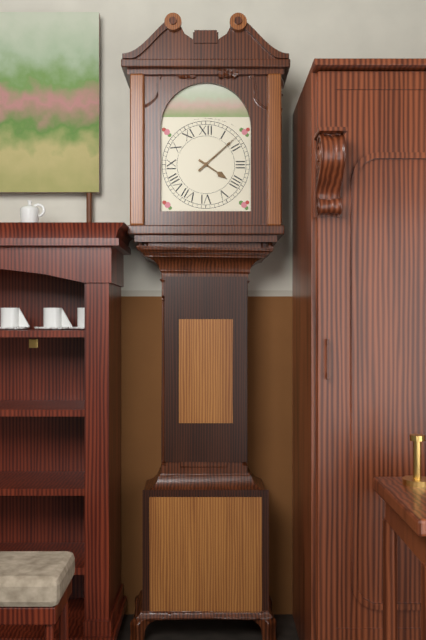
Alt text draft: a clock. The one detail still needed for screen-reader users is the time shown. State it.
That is 4:08
